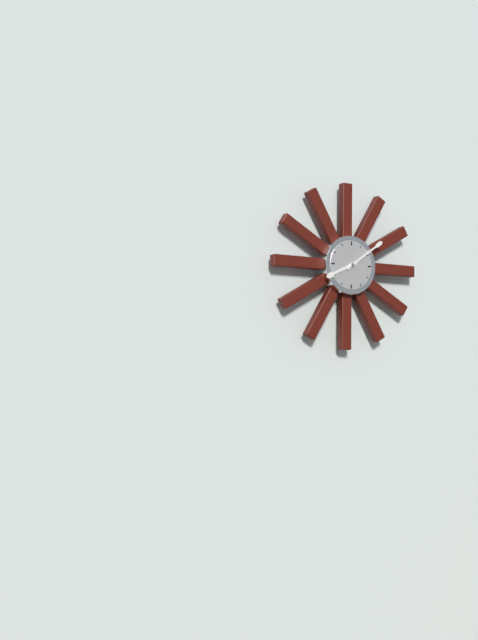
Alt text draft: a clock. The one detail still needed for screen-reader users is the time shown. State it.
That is 8:09
